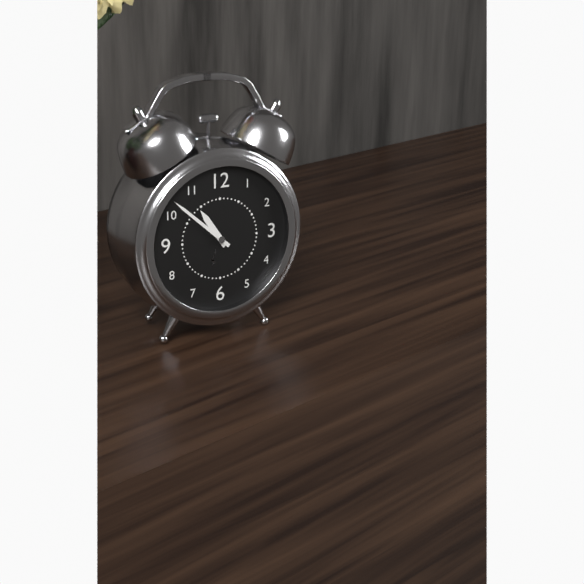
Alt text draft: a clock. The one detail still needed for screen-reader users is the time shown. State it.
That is 10:52
